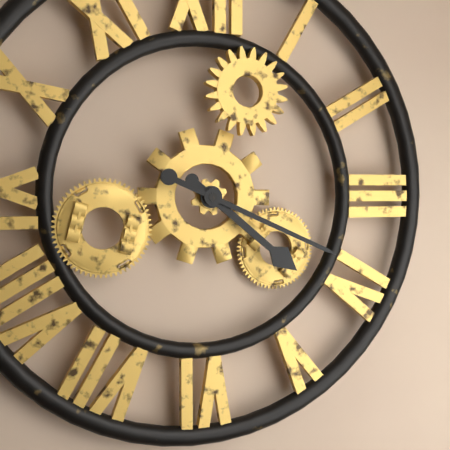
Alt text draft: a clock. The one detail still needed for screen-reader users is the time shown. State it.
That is 4:19
